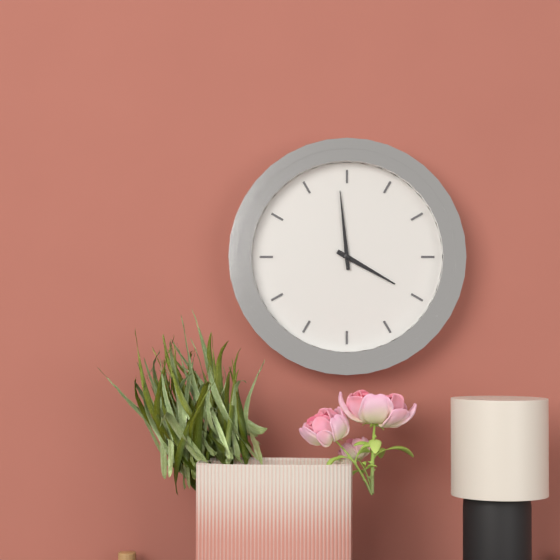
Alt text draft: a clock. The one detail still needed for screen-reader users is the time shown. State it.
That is 3:59
